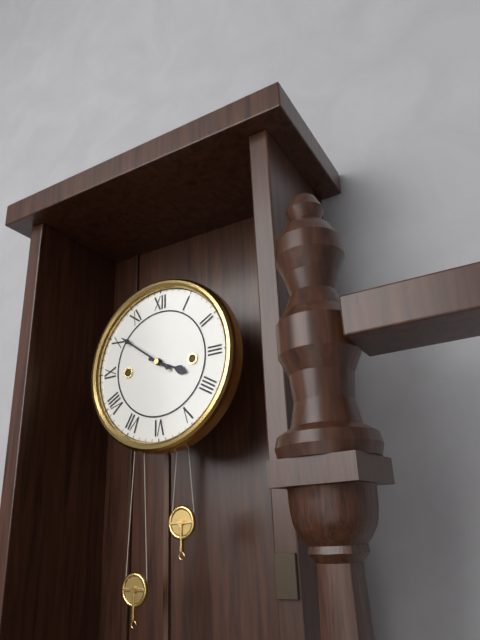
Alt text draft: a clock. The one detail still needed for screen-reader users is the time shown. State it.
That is 3:51
